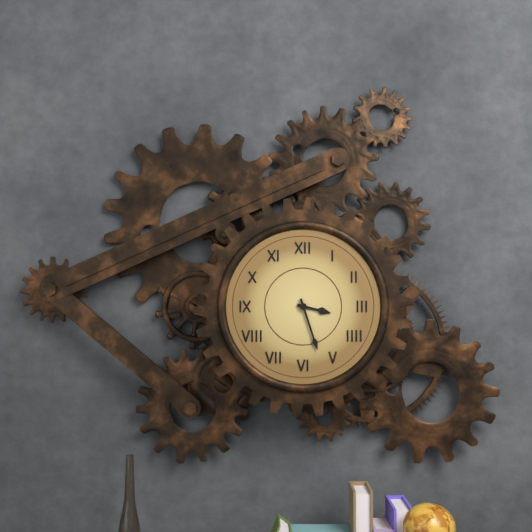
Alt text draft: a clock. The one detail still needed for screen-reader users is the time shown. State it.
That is 3:27
